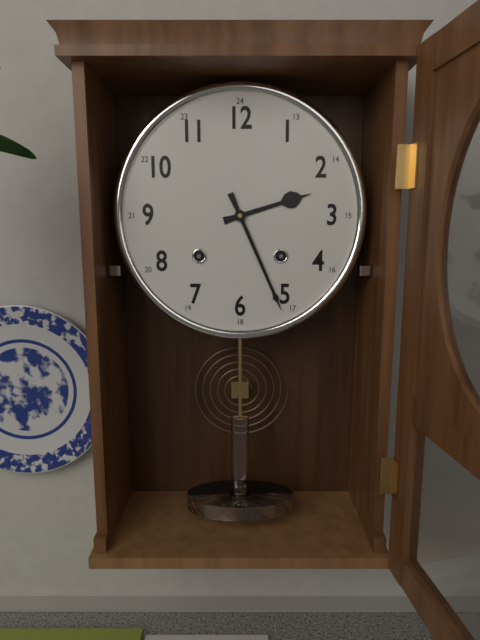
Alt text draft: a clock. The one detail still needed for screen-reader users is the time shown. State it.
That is 2:26
